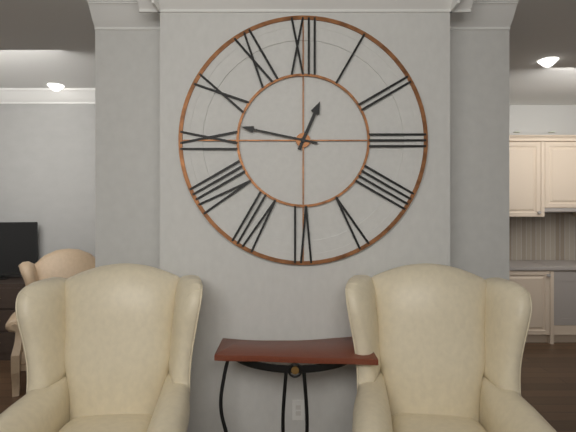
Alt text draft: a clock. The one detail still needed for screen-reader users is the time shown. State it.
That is 12:47
